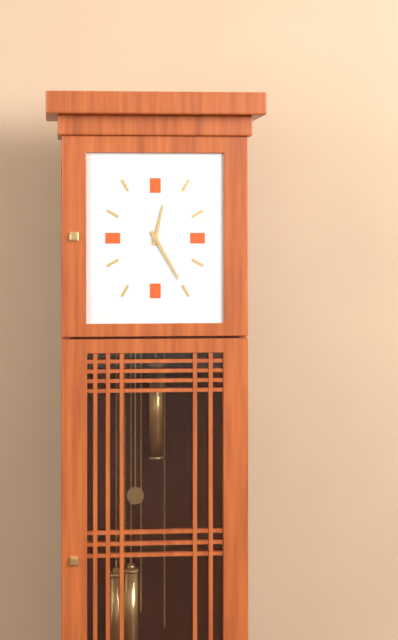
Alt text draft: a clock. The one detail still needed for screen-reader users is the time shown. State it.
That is 12:25
